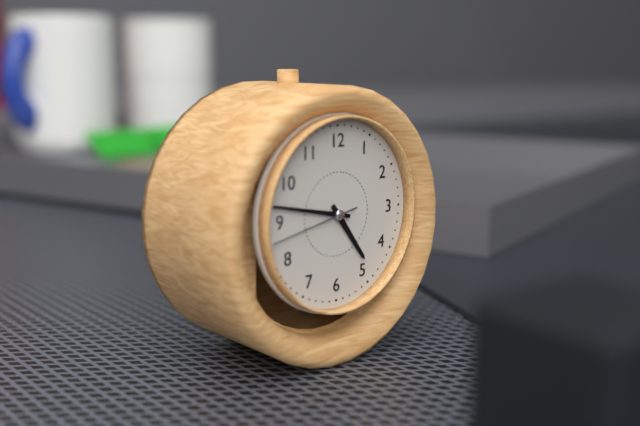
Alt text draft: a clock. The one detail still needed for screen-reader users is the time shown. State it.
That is 4:47:43
